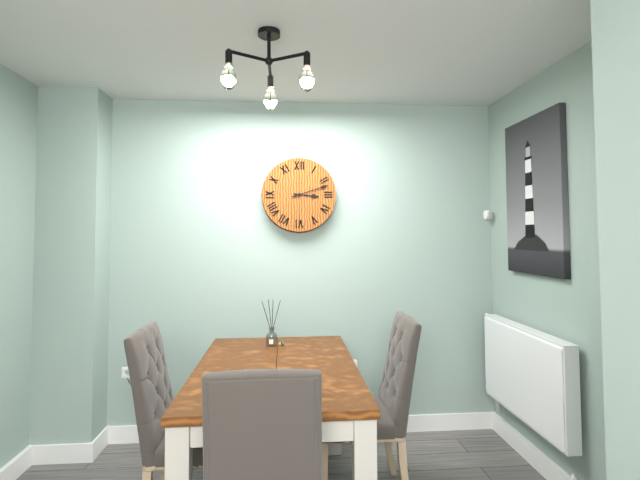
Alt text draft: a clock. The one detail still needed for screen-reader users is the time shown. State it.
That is 3:12
